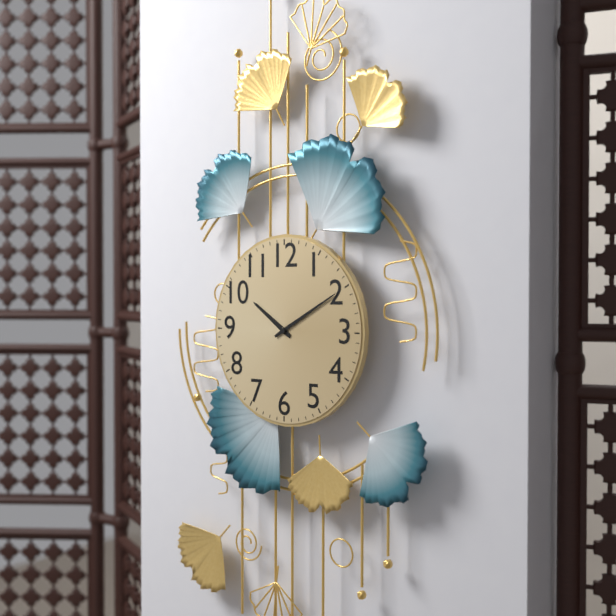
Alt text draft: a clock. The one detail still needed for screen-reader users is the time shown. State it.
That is 10:10
